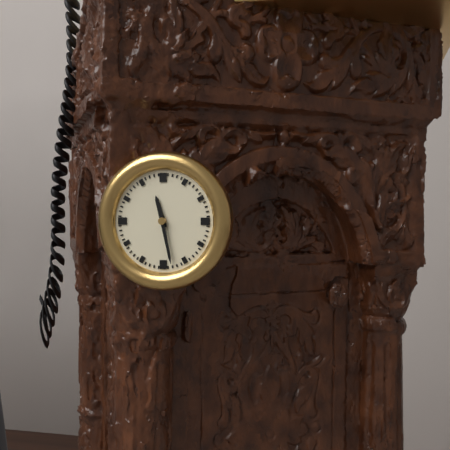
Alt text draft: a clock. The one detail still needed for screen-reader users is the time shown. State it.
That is 11:28
